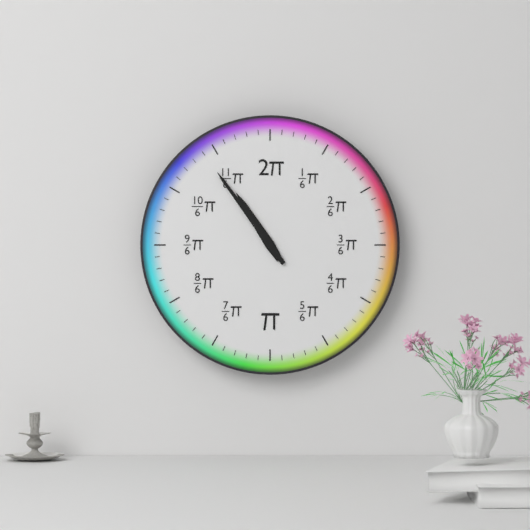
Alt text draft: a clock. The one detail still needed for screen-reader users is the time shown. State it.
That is 10:54
